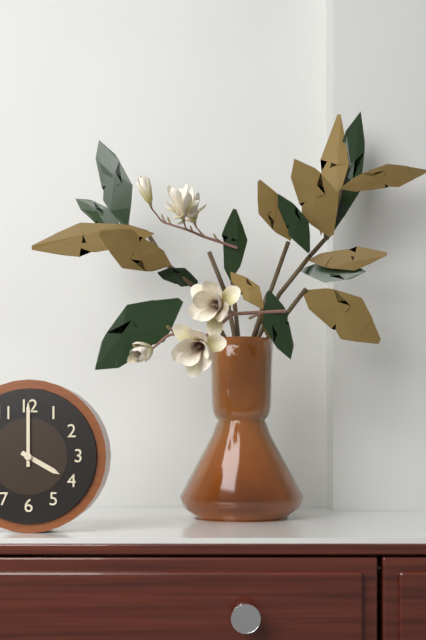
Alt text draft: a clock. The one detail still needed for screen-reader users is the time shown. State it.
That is 4:00
